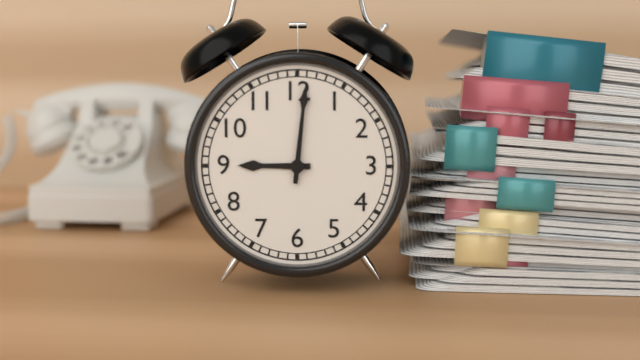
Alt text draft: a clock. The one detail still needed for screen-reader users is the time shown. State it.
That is 9:01
